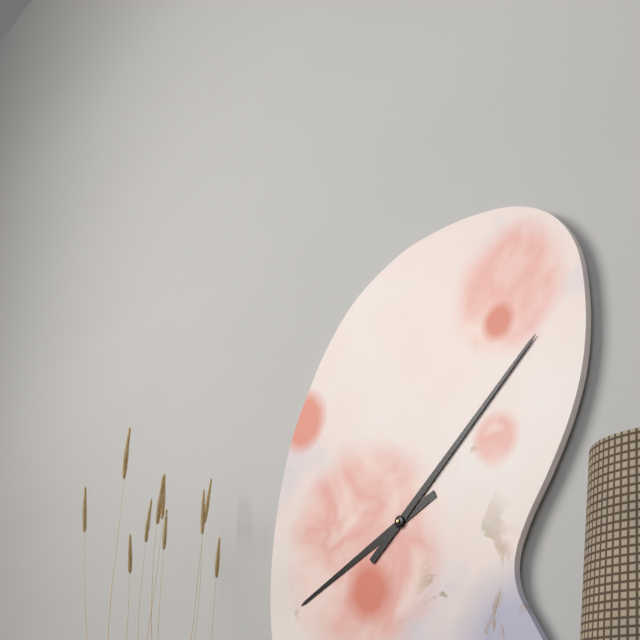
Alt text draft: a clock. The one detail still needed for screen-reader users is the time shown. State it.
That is 8:08
